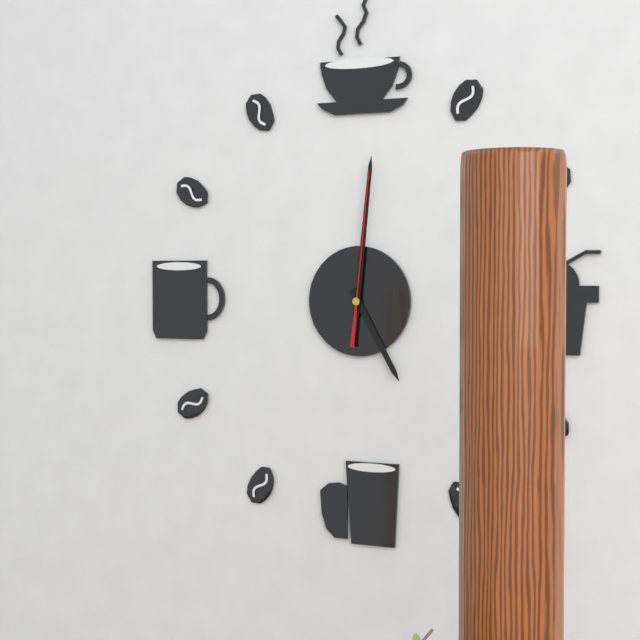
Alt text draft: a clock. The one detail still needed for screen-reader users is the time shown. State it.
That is 5:01:01
